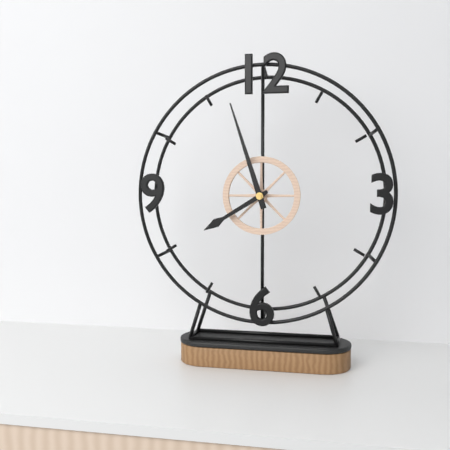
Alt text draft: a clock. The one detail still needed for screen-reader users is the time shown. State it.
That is 7:57
